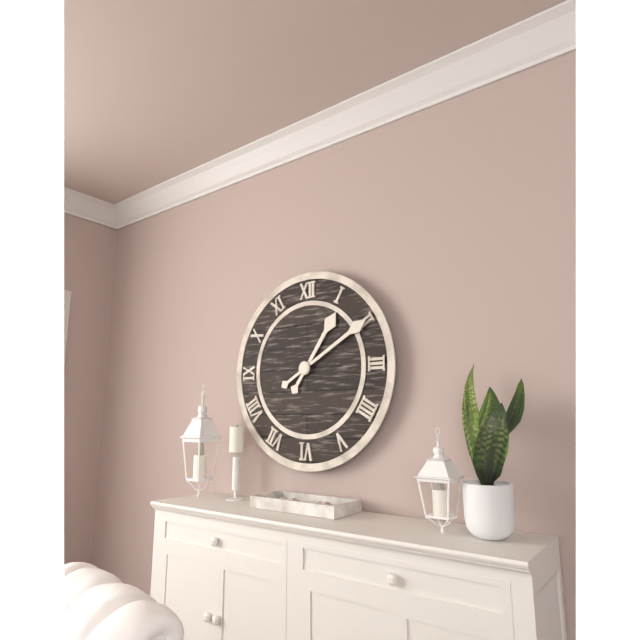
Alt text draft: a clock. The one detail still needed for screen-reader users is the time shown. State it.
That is 1:10
